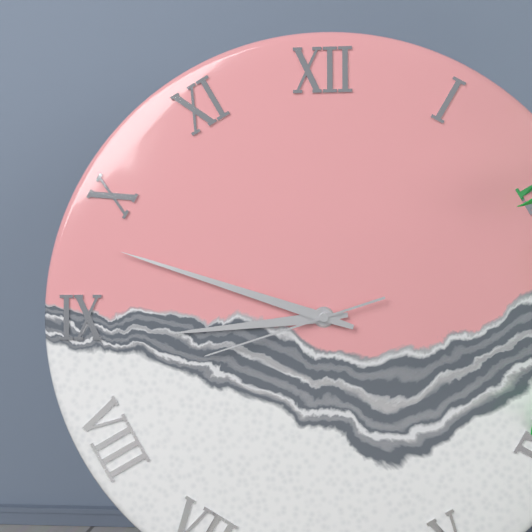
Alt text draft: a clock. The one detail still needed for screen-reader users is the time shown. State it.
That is 8:48:42
